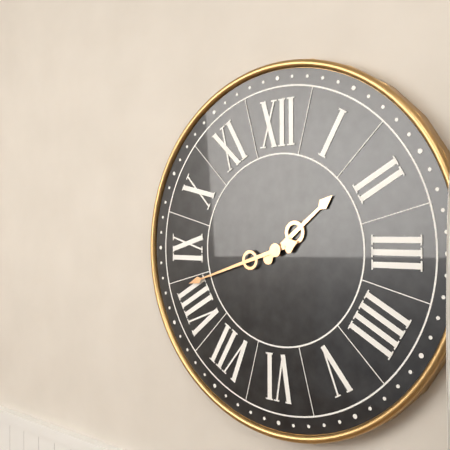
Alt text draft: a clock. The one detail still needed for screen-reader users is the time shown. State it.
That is 1:42
